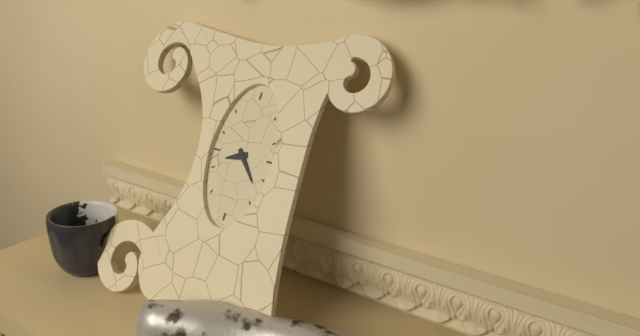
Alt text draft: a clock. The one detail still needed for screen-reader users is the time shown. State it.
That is 8:23
